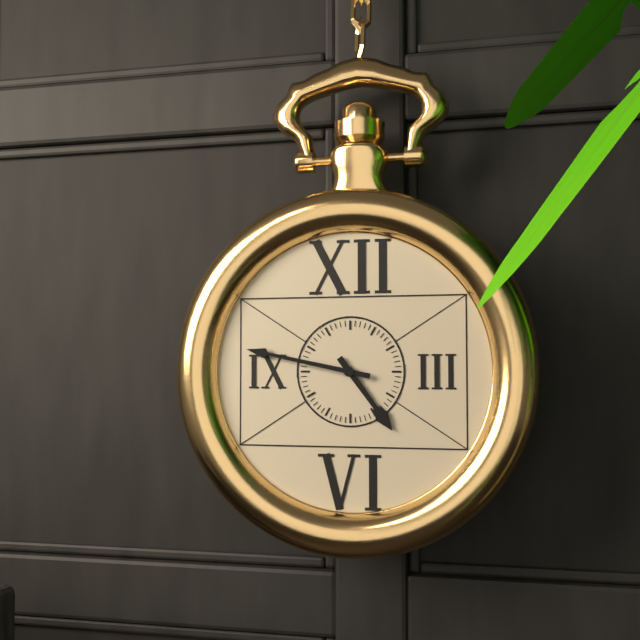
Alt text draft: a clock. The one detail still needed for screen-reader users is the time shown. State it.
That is 4:47
